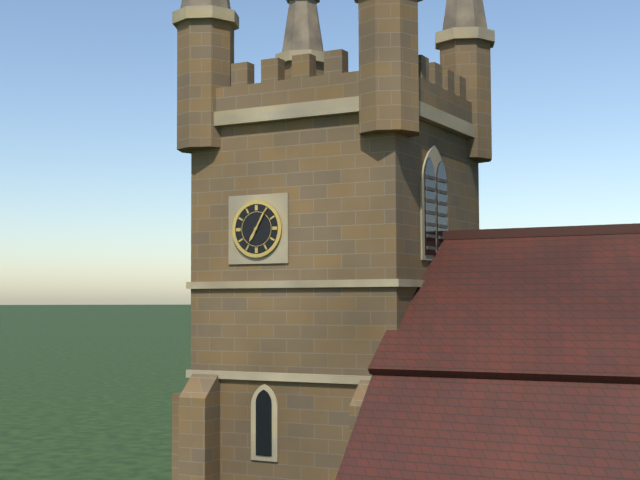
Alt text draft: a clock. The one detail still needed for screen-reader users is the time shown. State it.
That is 7:05
